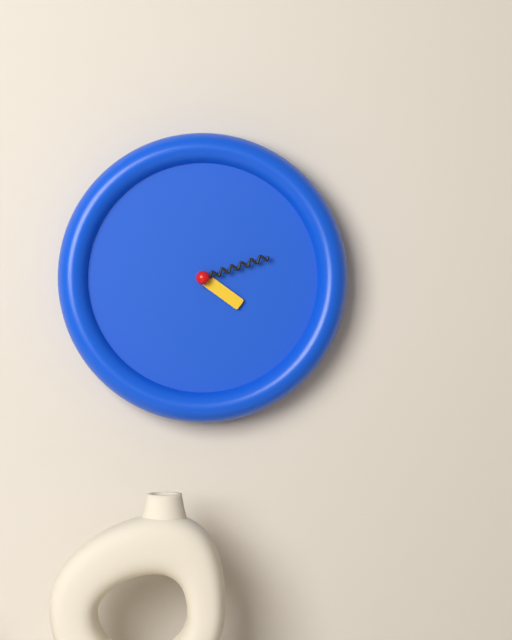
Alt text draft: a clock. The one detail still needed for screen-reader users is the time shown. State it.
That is 4:12
